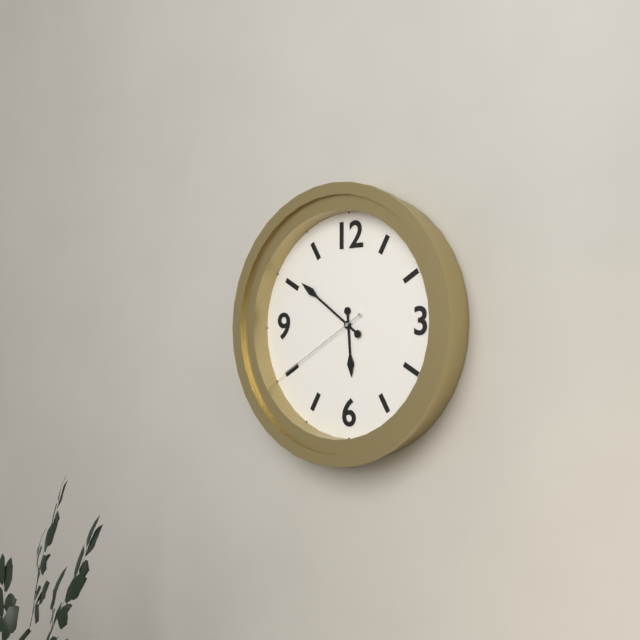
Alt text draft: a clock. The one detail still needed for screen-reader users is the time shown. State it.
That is 5:51:40
